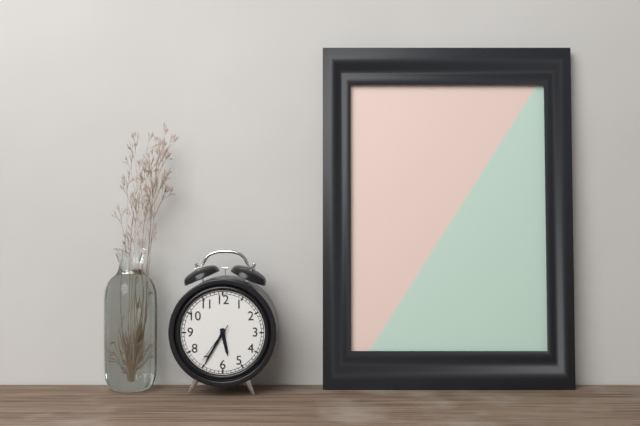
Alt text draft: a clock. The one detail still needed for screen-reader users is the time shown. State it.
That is 5:35
